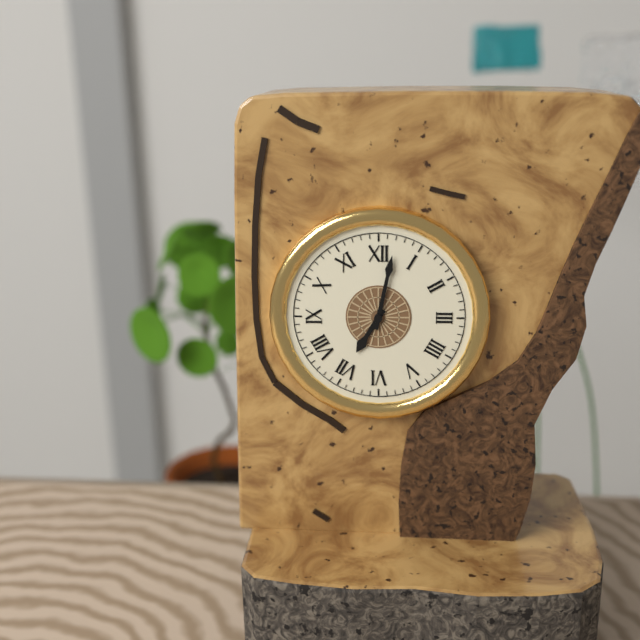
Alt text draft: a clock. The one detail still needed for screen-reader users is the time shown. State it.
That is 7:02
